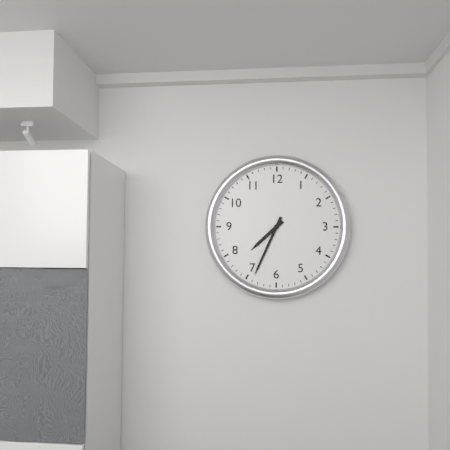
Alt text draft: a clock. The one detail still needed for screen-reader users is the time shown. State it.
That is 7:34
